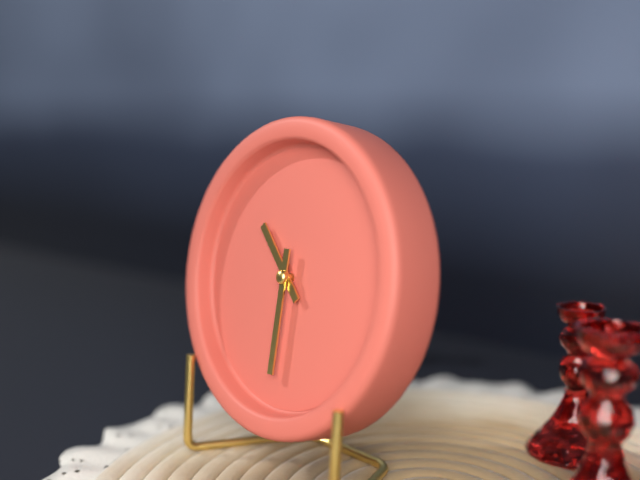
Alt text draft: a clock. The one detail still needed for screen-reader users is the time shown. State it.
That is 10:30
